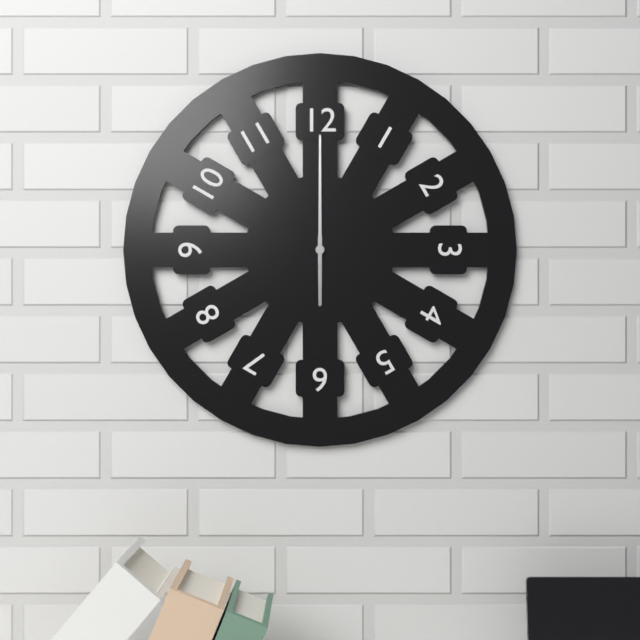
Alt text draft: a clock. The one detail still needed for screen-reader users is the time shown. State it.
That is 6:00
